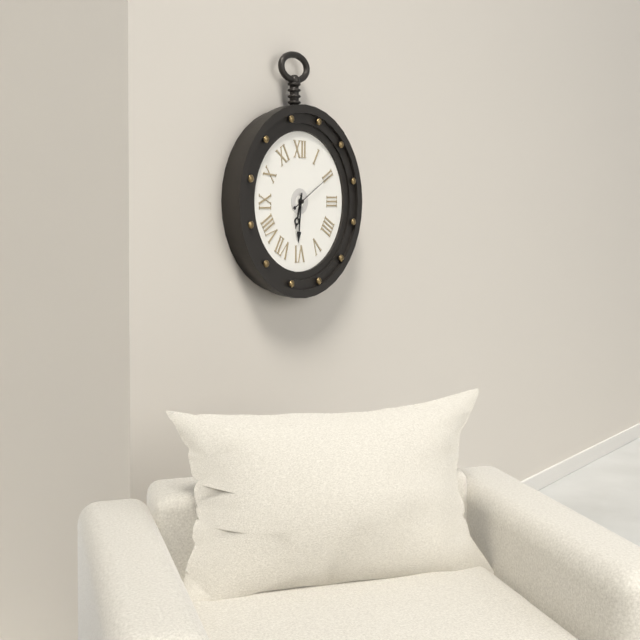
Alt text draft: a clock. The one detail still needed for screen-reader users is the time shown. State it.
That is 6:31
